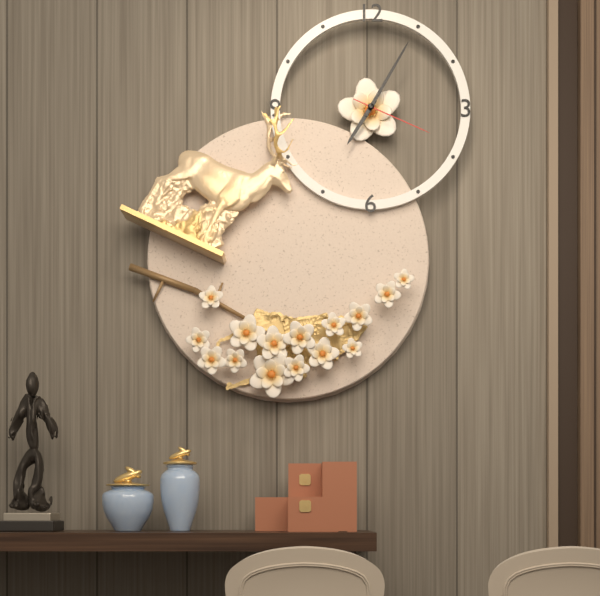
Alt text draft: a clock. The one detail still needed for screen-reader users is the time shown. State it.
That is 7:05:19
